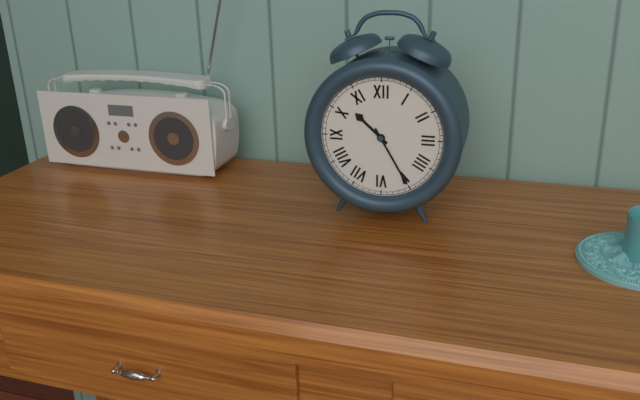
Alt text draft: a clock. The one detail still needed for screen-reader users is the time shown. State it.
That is 10:25
